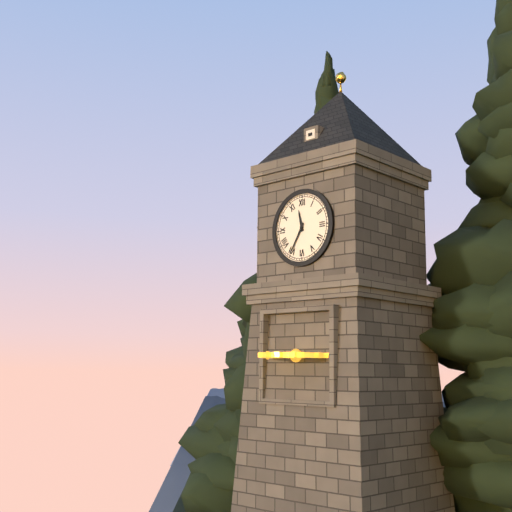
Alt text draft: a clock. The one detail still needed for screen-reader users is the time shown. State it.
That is 11:35
